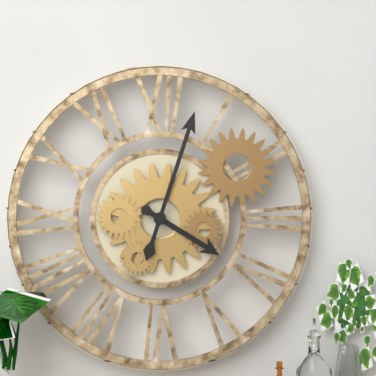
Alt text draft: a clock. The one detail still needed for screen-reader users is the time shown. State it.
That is 4:03
